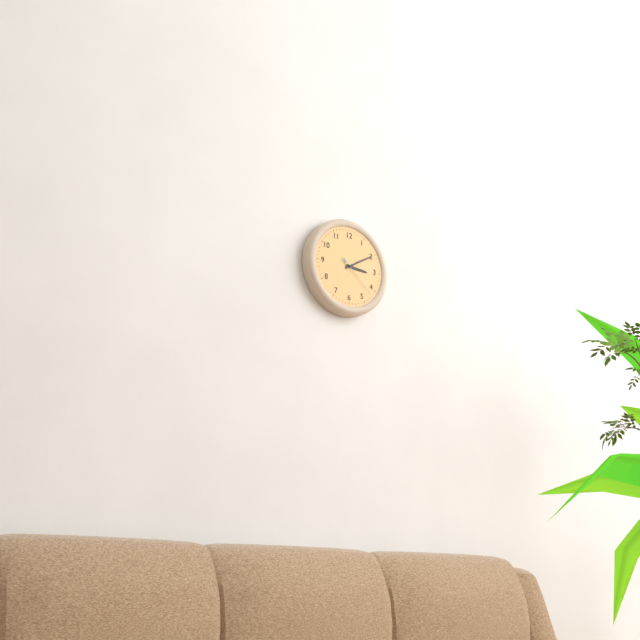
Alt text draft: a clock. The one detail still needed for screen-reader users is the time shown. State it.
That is 3:10
